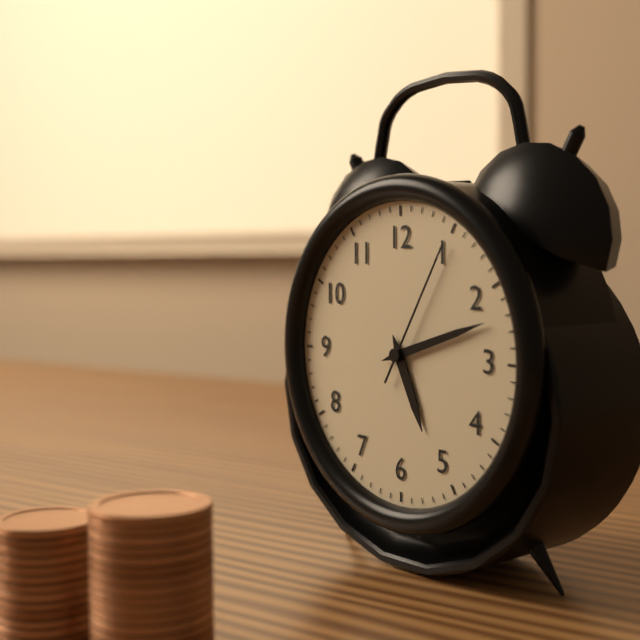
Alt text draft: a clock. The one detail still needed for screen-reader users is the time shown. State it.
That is 5:12:05
